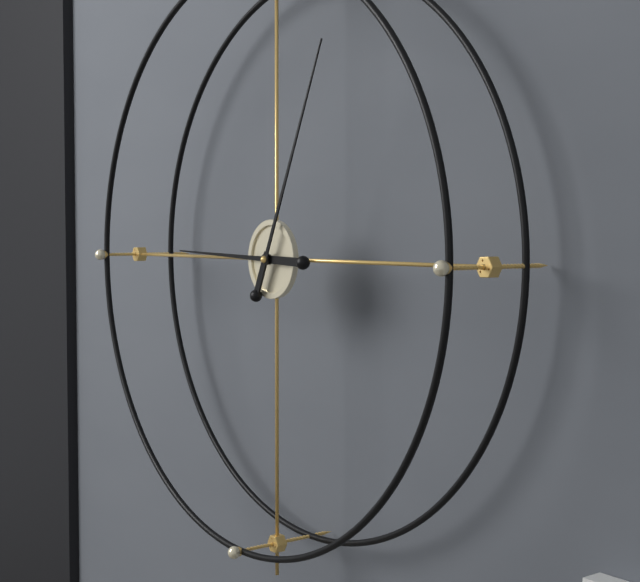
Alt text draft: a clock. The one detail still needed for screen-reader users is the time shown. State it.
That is 9:04
